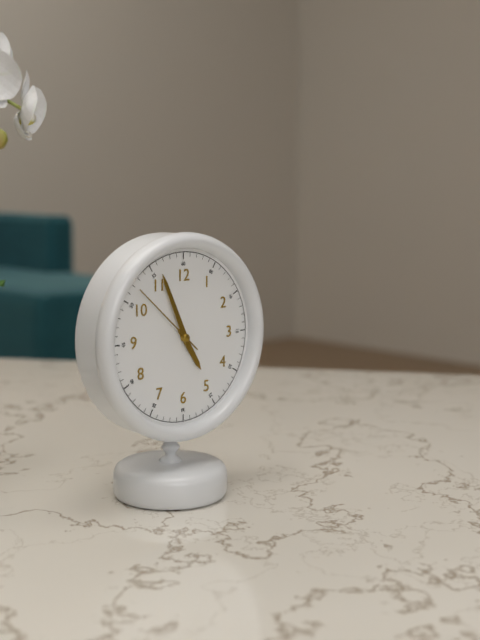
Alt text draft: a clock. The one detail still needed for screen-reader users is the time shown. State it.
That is 4:56:52
